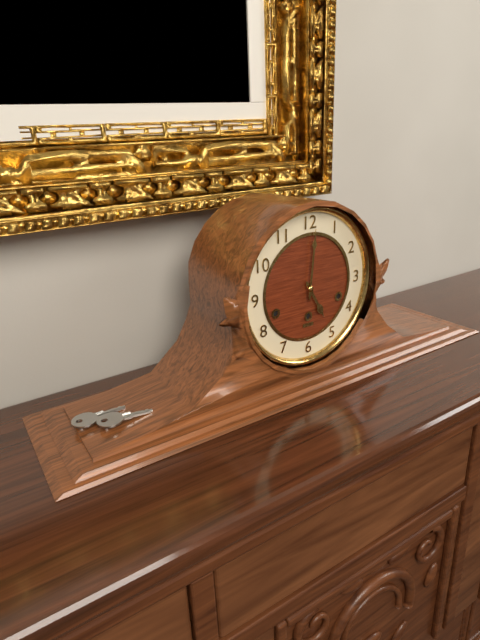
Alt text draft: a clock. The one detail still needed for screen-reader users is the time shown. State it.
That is 5:01
